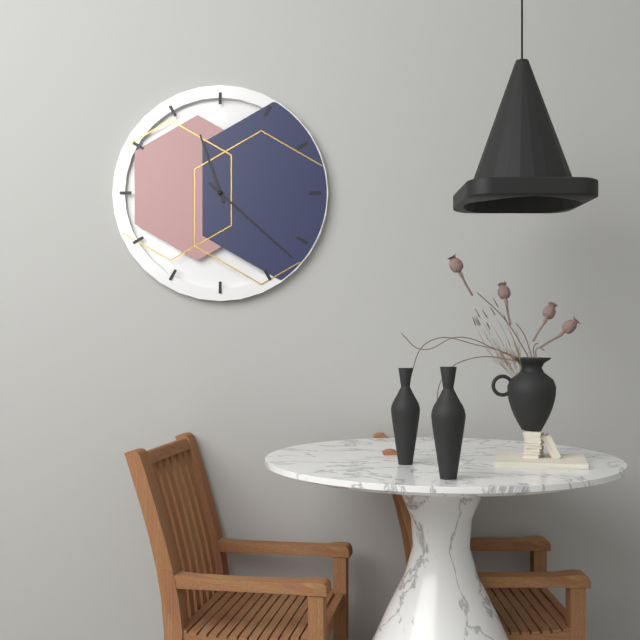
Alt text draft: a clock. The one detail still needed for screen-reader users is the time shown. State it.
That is 11:22
